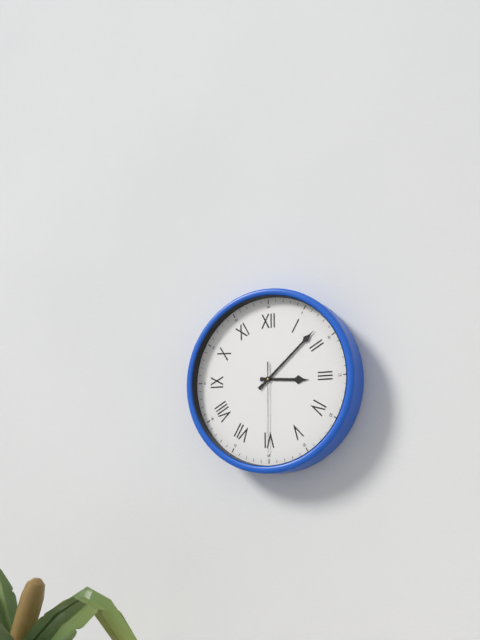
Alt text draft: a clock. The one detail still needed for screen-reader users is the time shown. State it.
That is 3:08:30
